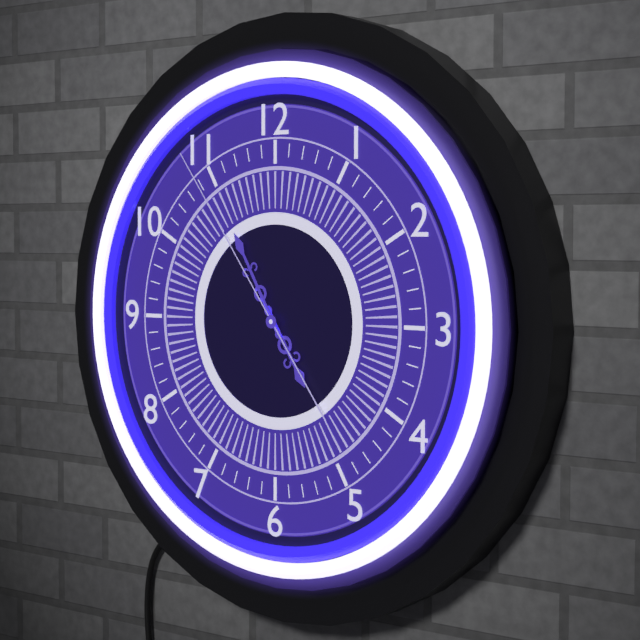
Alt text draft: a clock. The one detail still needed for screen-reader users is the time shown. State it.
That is 4:55:54
